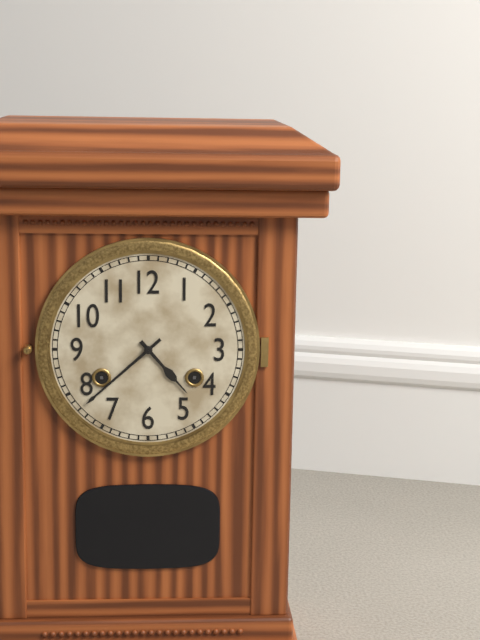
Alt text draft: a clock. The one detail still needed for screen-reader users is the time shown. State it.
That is 4:38
